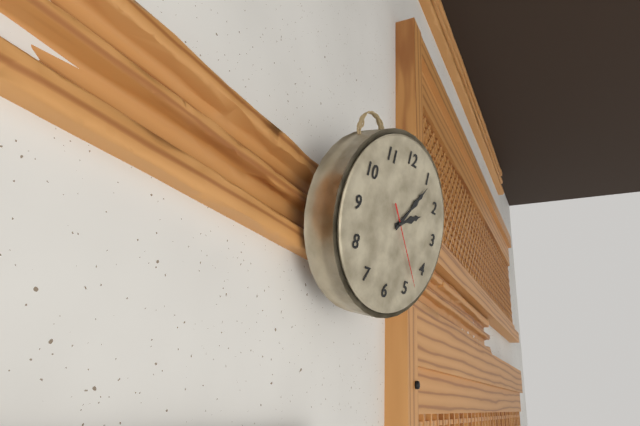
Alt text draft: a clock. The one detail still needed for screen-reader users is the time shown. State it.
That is 2:06:23
